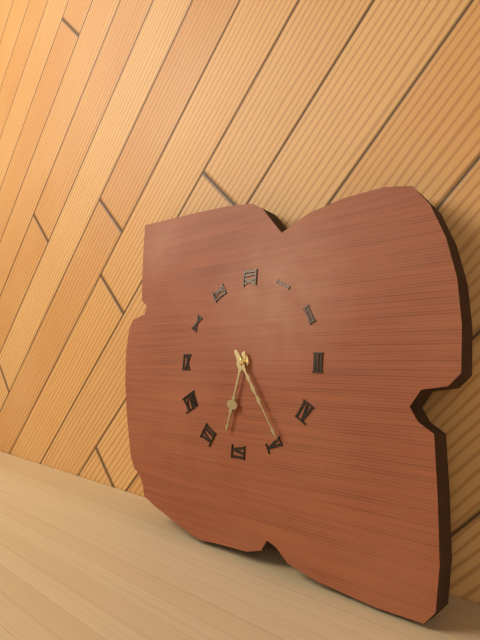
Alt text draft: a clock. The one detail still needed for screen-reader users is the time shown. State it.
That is 6:24
